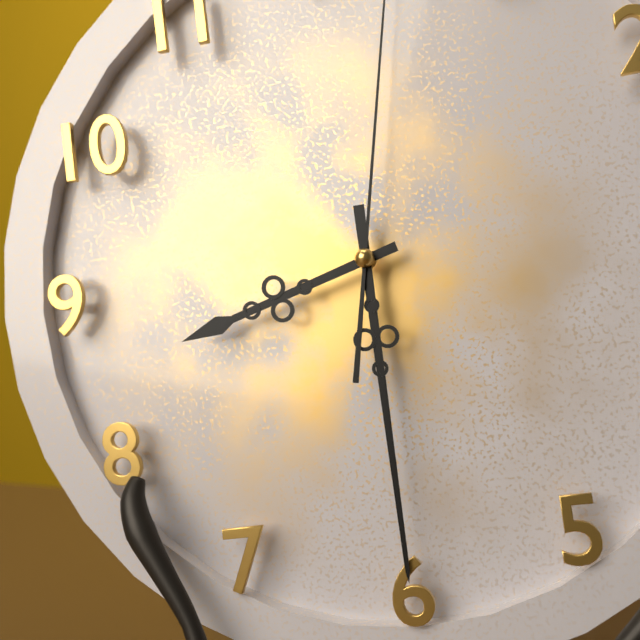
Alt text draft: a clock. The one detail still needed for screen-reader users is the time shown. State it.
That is 8:30
